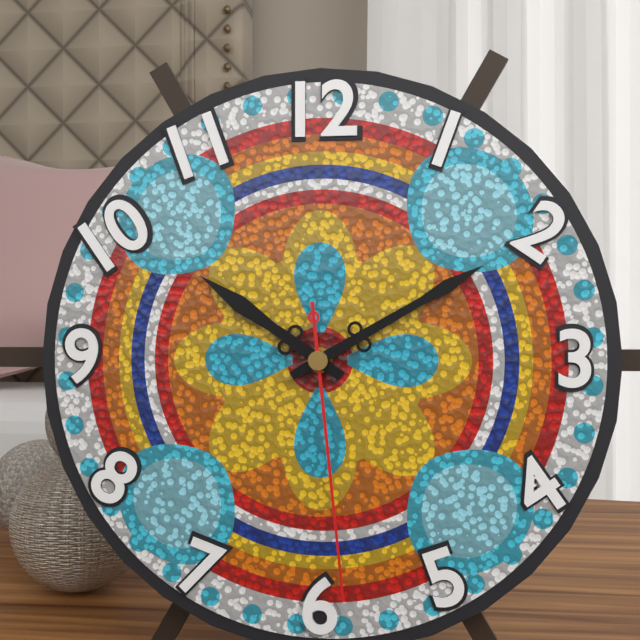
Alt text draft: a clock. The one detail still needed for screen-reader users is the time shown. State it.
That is 10:10:29
